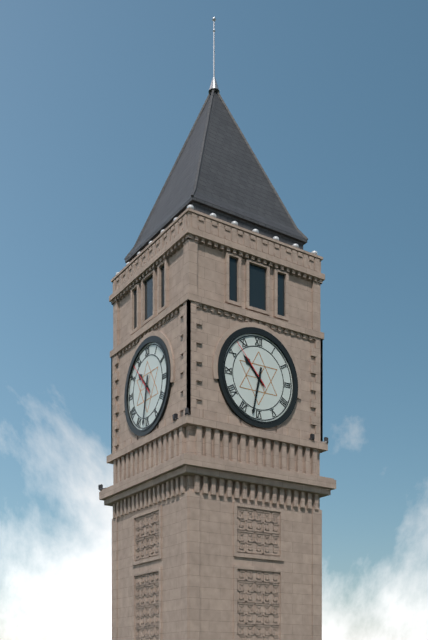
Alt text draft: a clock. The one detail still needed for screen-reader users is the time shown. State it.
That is 10:32:53
